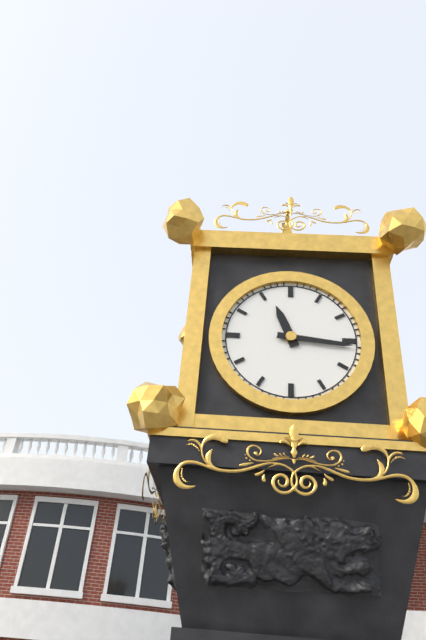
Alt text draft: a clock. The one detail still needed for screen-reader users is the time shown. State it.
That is 11:16
